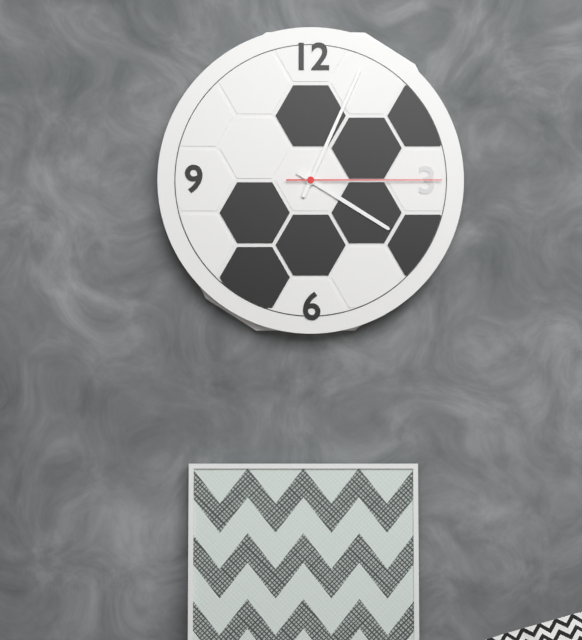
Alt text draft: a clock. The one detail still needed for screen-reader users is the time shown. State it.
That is 4:04:15
